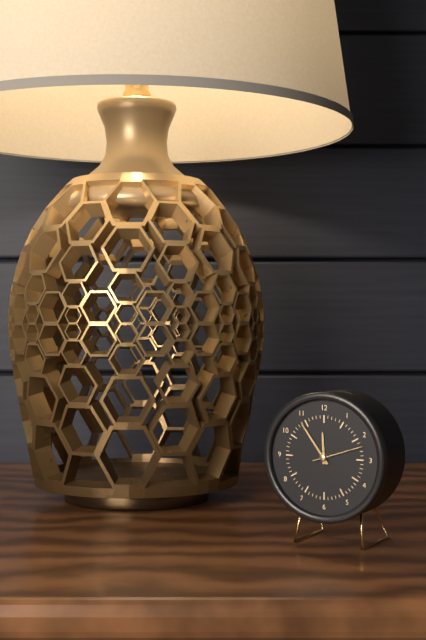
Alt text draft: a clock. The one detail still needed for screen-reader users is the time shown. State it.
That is 11:54
